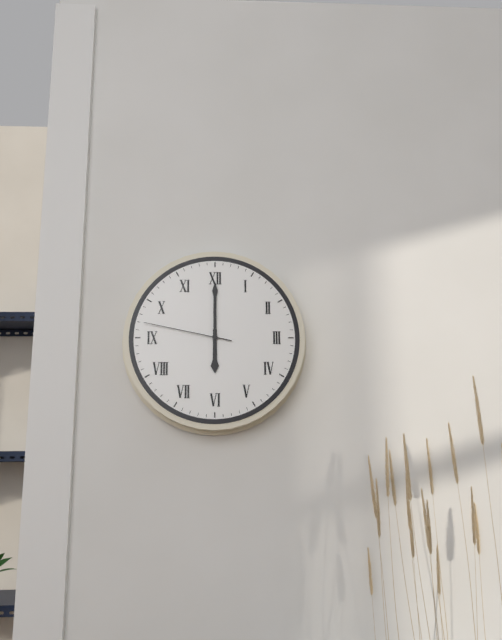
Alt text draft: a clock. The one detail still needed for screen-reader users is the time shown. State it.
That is 6:00:47
